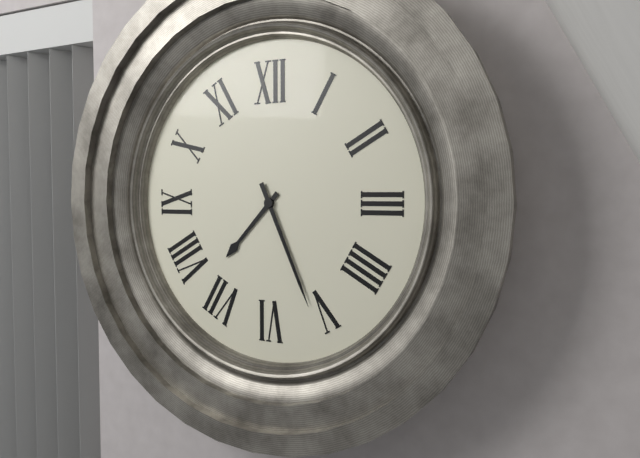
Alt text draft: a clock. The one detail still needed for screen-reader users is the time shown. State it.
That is 7:26
